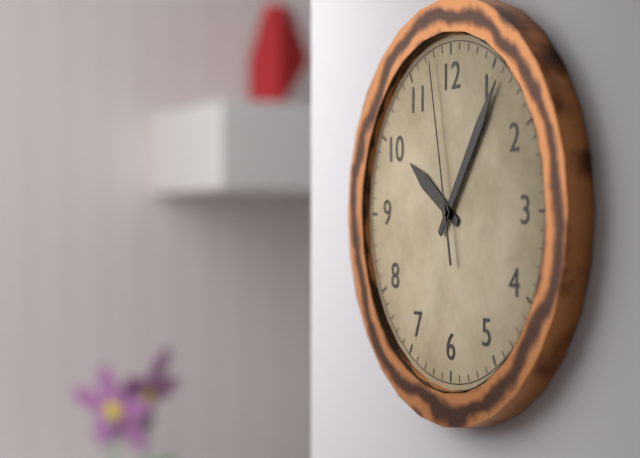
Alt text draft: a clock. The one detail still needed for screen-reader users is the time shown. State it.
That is 10:06:58
